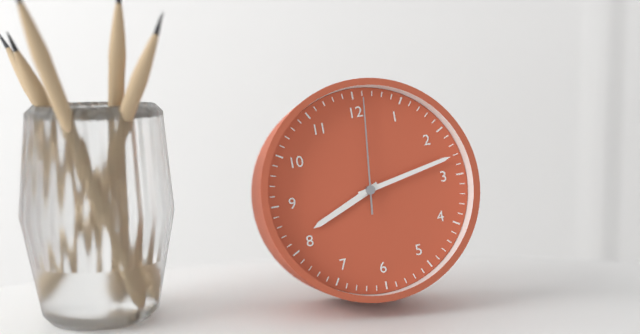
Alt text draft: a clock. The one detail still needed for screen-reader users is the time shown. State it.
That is 8:13:01
